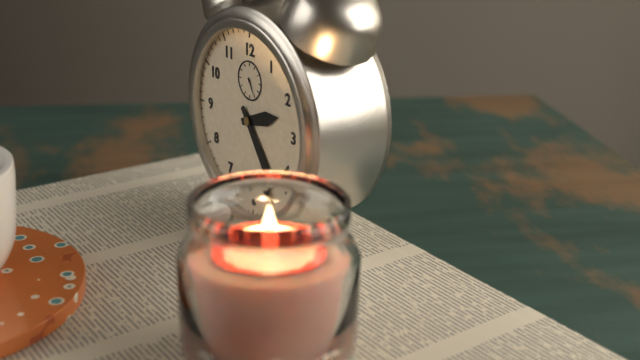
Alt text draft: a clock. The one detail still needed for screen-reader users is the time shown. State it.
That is 2:24
